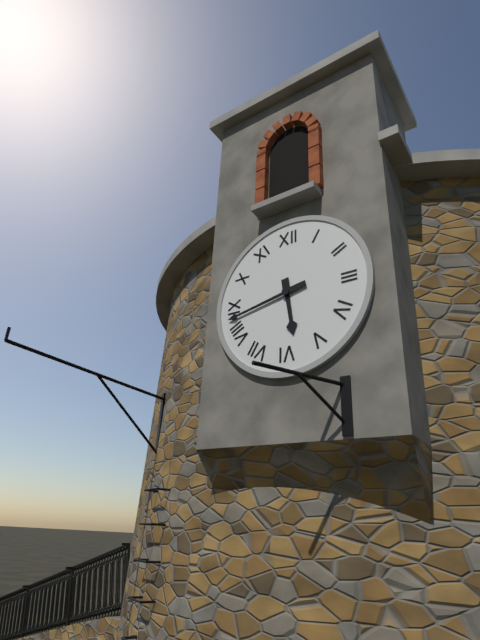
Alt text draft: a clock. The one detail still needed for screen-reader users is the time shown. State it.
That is 5:43
